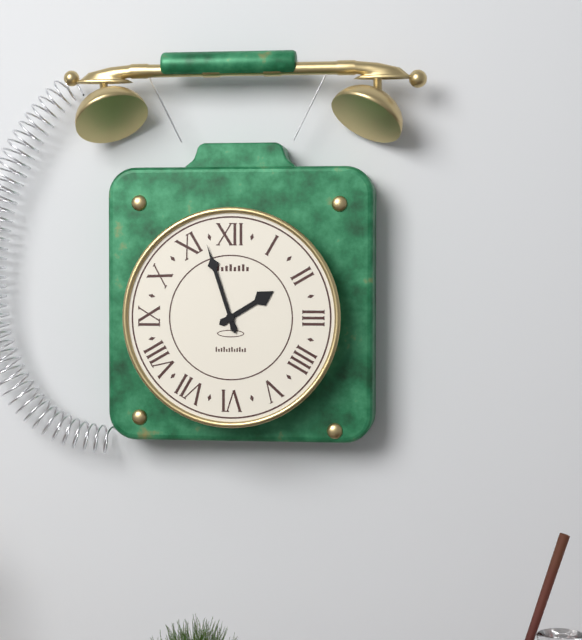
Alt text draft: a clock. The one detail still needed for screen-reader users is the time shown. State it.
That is 1:57
